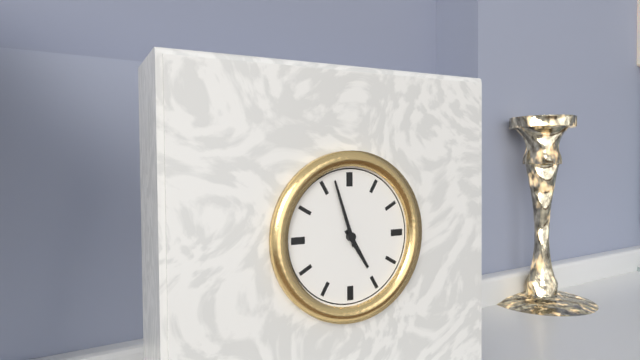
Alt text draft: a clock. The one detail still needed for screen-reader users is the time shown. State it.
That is 4:57
